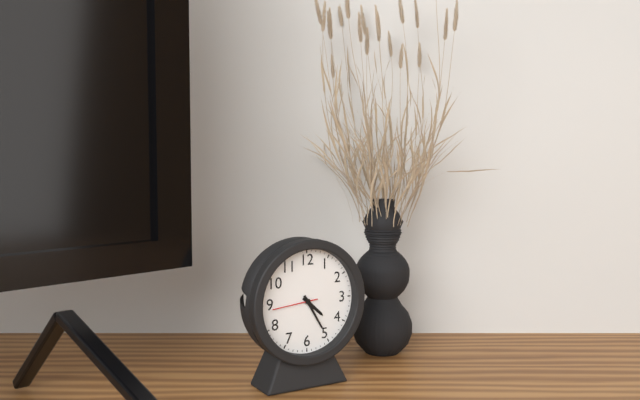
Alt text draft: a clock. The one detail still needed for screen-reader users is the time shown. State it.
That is 4:25
